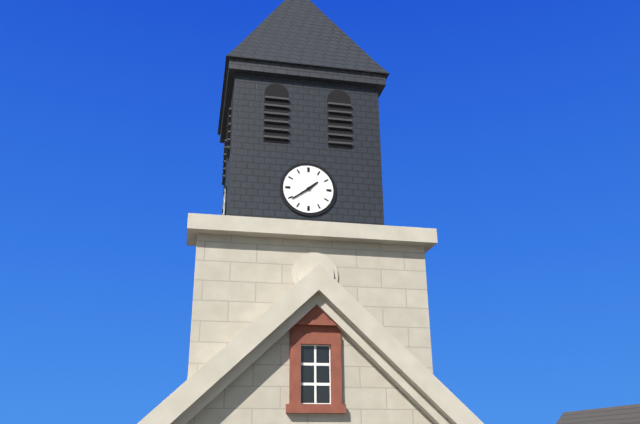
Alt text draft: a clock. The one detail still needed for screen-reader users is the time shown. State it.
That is 1:39
